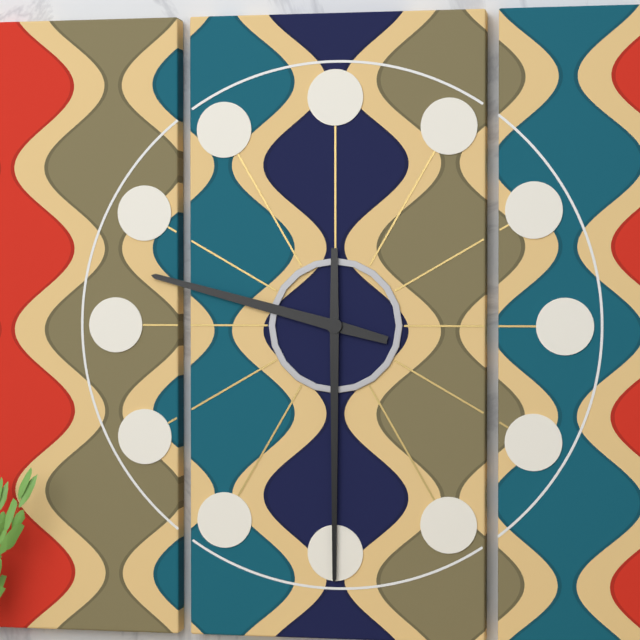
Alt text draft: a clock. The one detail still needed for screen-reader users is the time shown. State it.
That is 9:30
